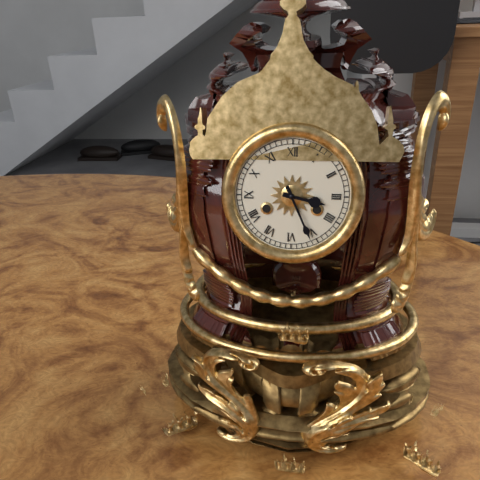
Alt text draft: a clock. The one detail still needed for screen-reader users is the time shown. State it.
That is 3:26
